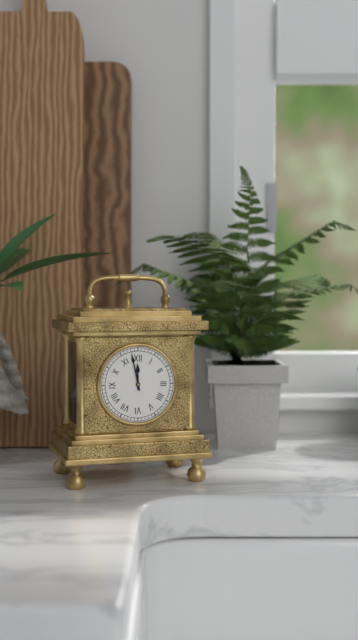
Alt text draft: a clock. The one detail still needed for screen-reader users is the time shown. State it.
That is 11:58
